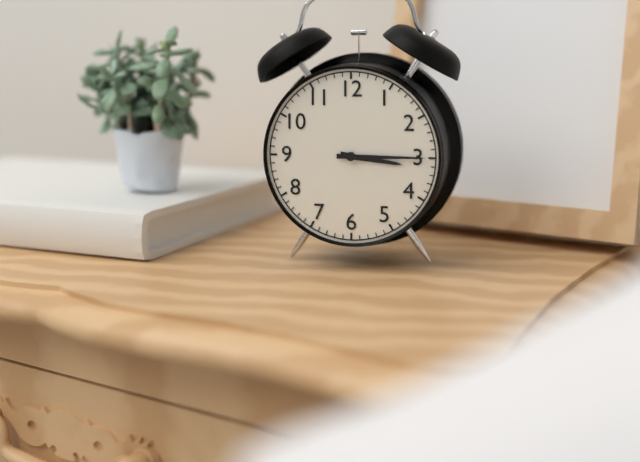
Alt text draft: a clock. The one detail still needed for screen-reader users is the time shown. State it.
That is 3:15
